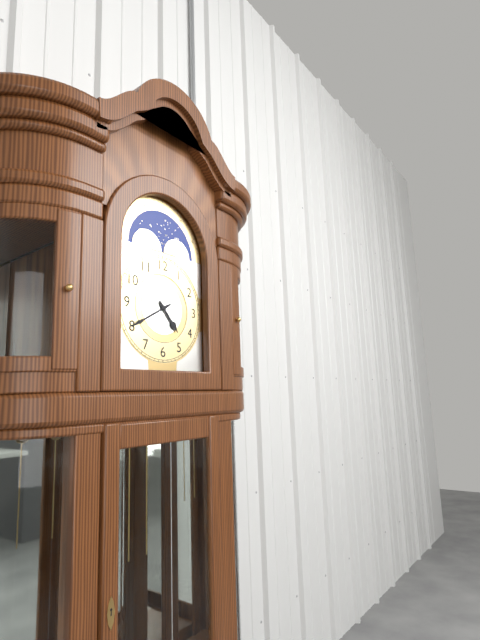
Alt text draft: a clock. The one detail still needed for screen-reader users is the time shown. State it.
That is 4:40
